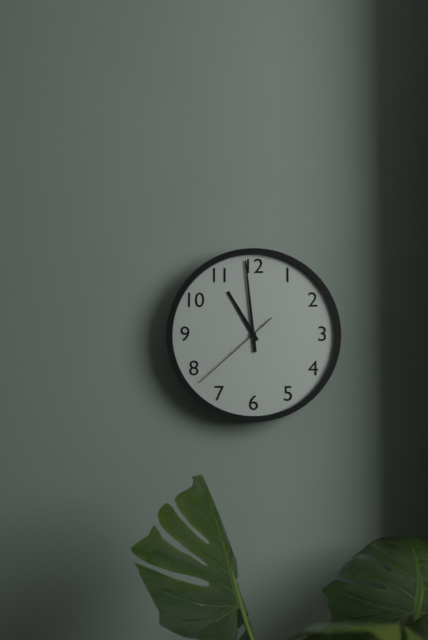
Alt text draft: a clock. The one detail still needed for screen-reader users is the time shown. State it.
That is 10:59:38
